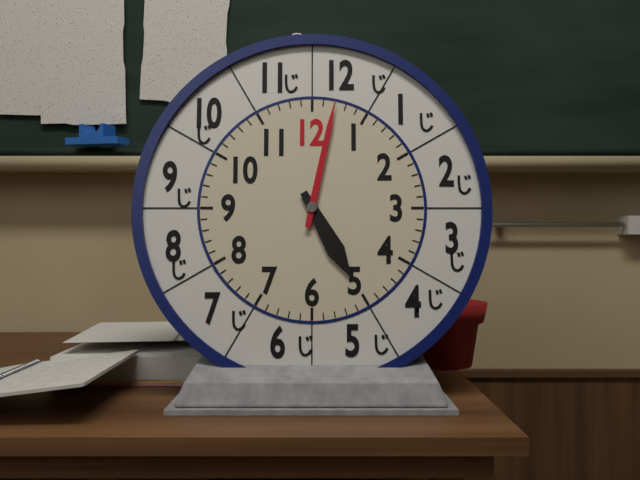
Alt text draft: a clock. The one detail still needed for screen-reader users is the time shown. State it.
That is 5:02
